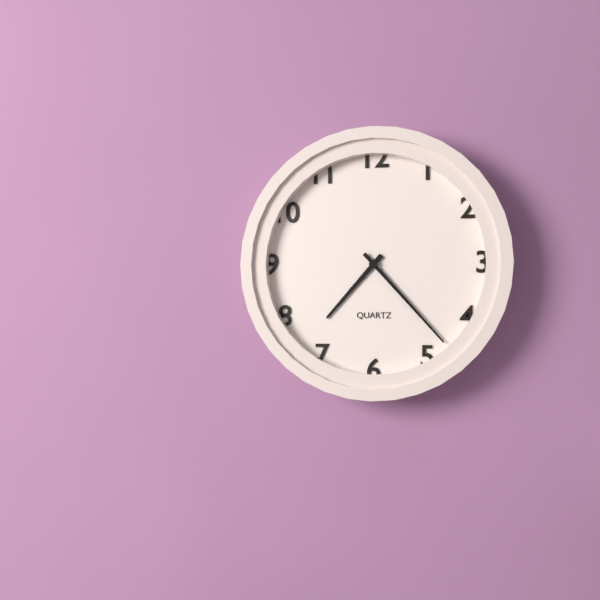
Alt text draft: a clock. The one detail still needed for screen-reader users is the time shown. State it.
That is 7:23
